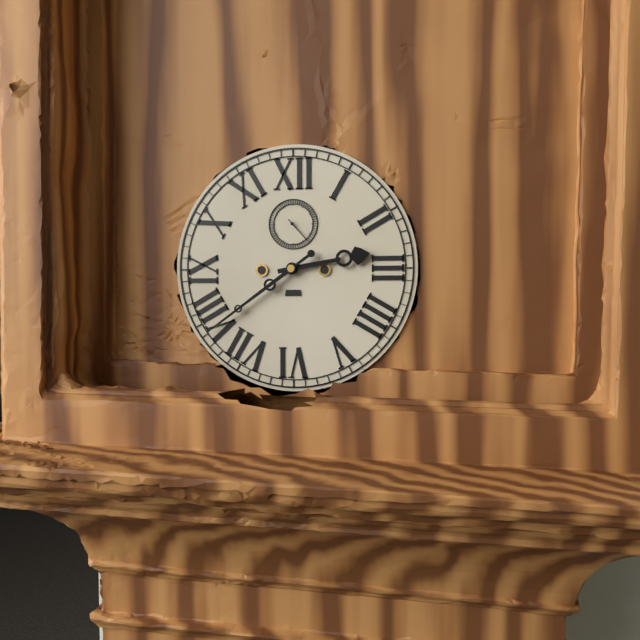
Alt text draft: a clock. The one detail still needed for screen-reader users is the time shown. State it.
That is 2:39
